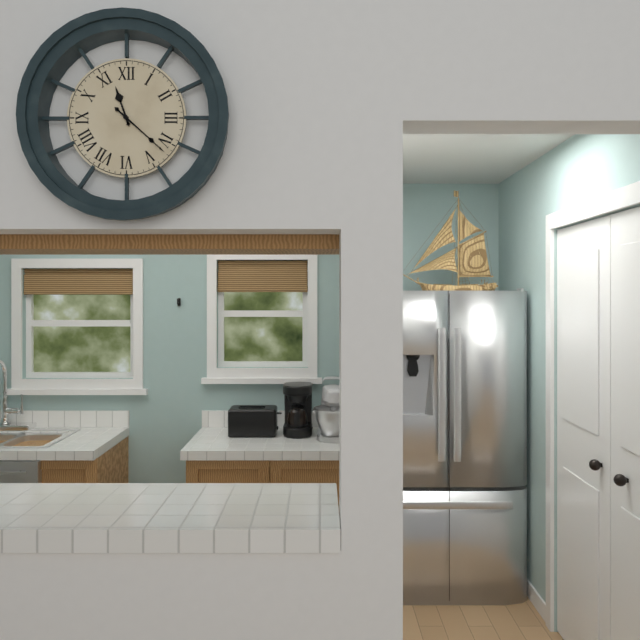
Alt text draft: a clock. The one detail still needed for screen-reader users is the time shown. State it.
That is 11:22
